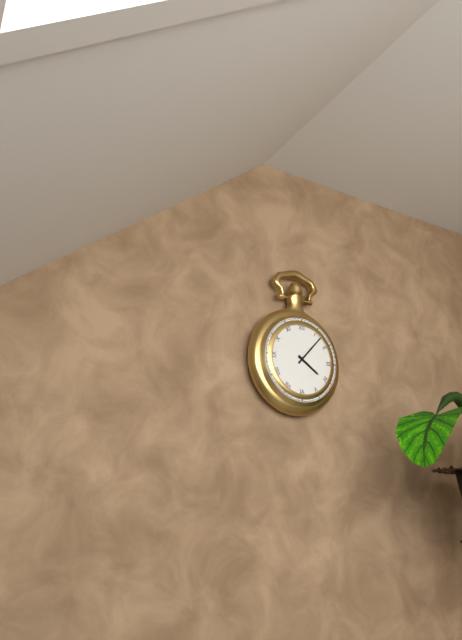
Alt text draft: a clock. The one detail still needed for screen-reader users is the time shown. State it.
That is 4:07
